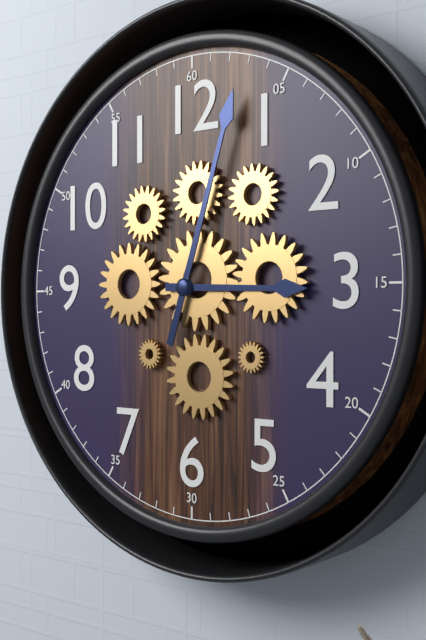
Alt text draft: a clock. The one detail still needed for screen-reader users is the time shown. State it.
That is 3:03
